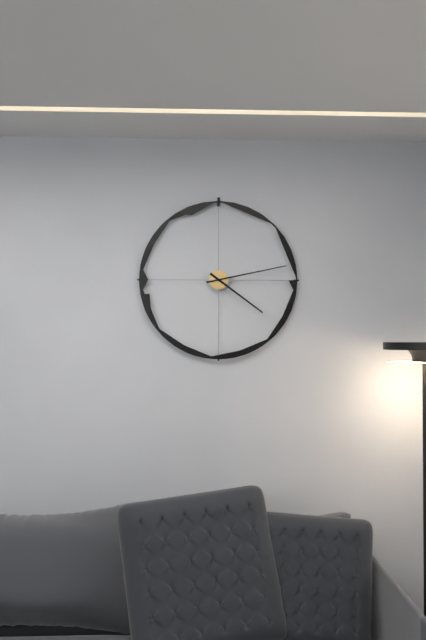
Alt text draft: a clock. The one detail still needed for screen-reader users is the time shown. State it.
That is 4:13
